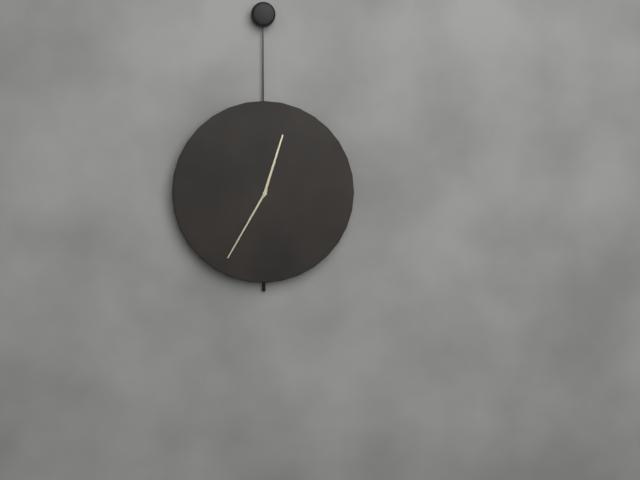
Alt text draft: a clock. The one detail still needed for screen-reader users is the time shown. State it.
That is 12:35
